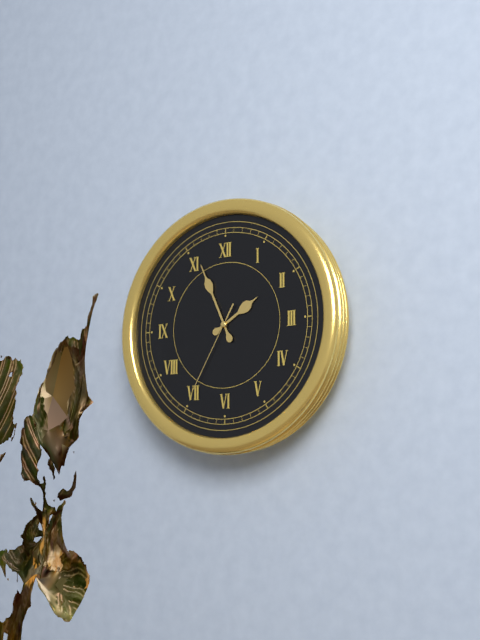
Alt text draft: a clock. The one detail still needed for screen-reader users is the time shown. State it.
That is 1:56:35
